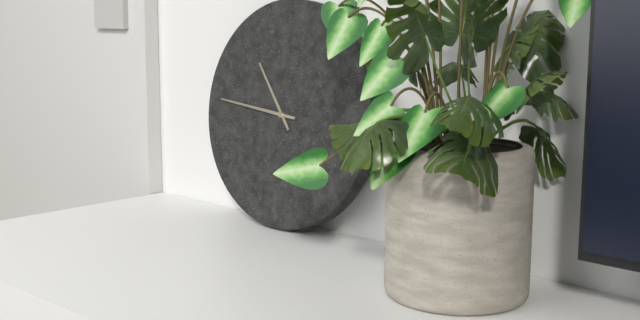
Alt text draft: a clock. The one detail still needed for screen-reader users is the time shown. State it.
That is 10:46
